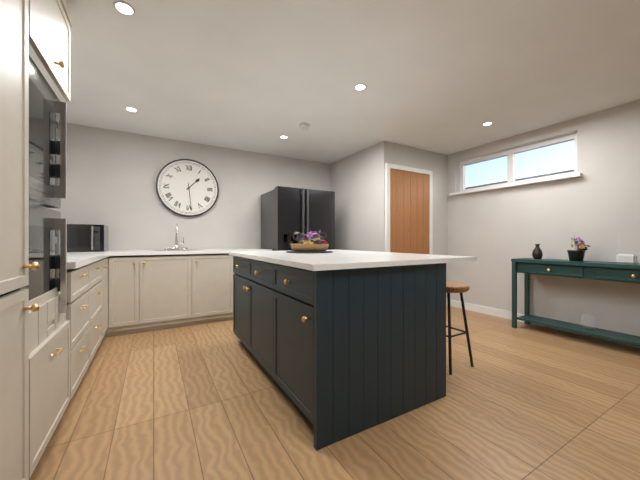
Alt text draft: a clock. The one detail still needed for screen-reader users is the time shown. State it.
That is 1:29
